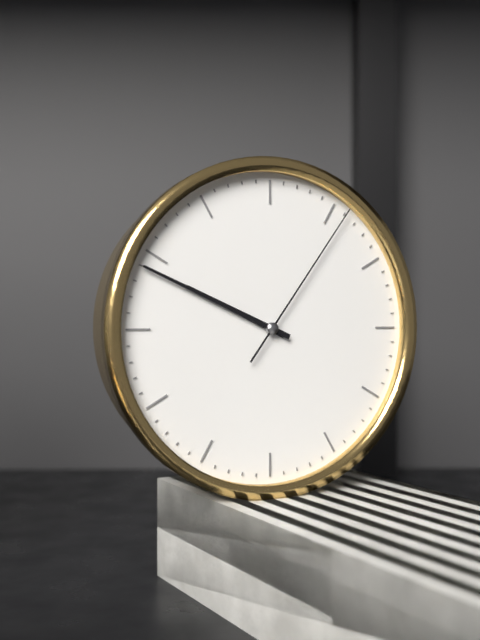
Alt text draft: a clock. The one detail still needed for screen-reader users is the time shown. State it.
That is 9:49:06
